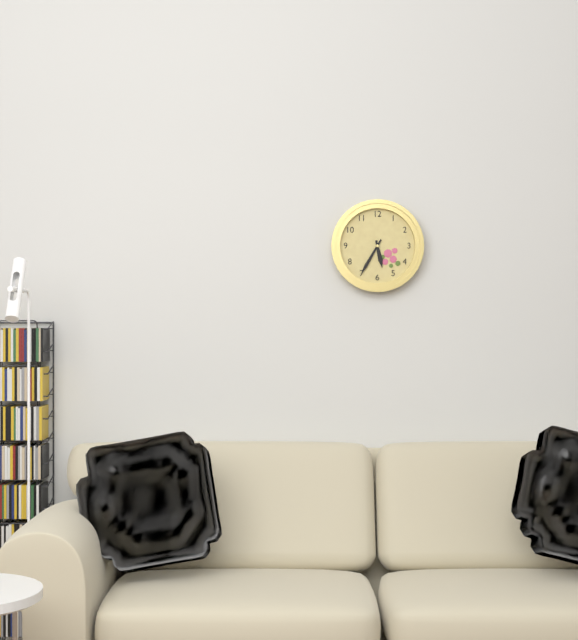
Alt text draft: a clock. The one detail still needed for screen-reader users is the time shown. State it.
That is 5:35
